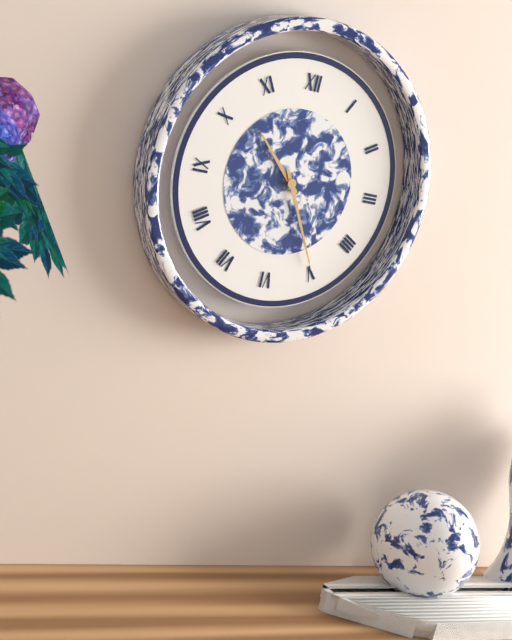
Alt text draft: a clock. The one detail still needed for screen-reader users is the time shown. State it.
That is 10:25
